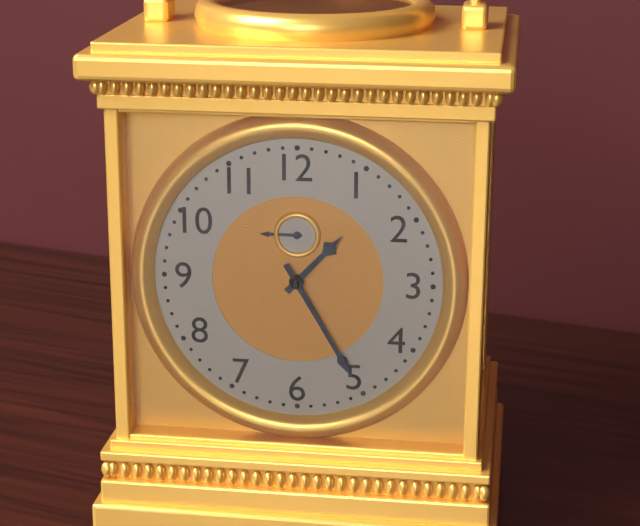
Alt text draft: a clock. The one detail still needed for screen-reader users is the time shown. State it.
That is 1:25
